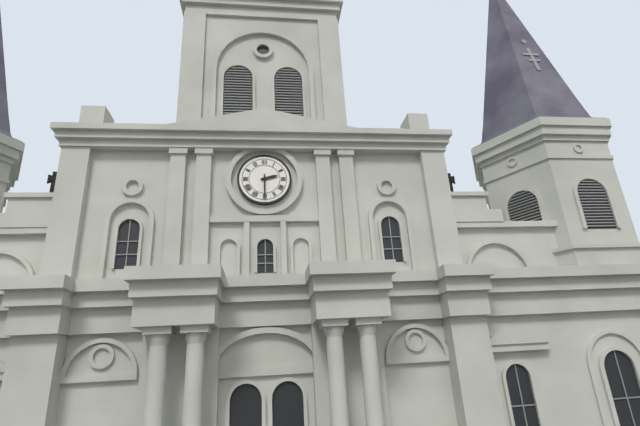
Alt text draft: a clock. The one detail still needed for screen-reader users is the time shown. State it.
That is 2:30
